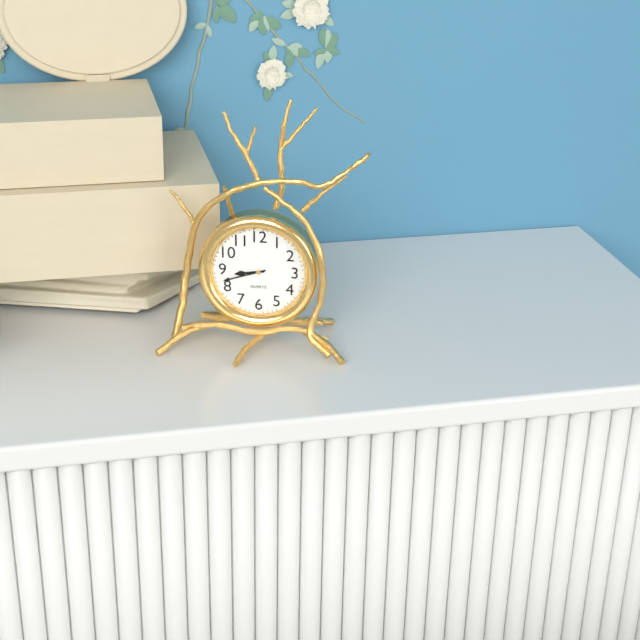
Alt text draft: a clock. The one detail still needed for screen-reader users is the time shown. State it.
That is 8:42
